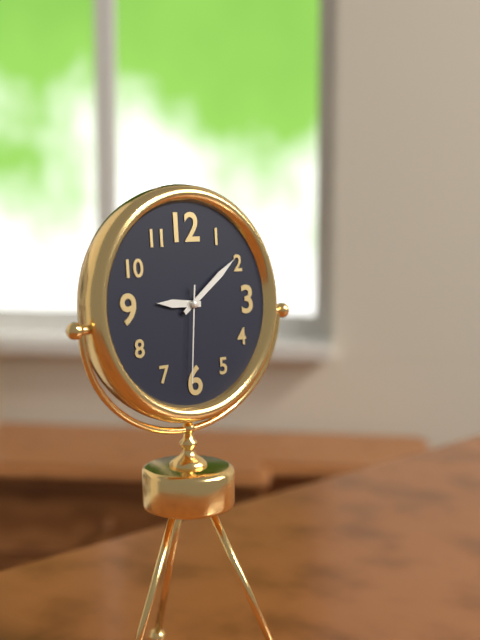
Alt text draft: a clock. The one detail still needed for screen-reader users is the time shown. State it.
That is 9:09:31
